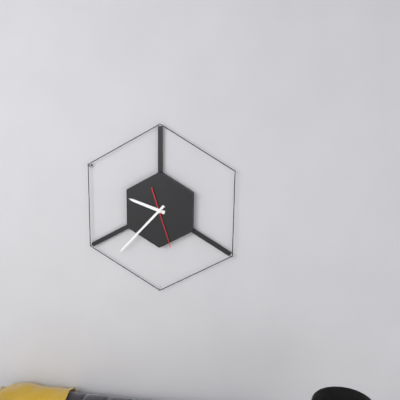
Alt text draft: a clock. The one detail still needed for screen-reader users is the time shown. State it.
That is 9:37
